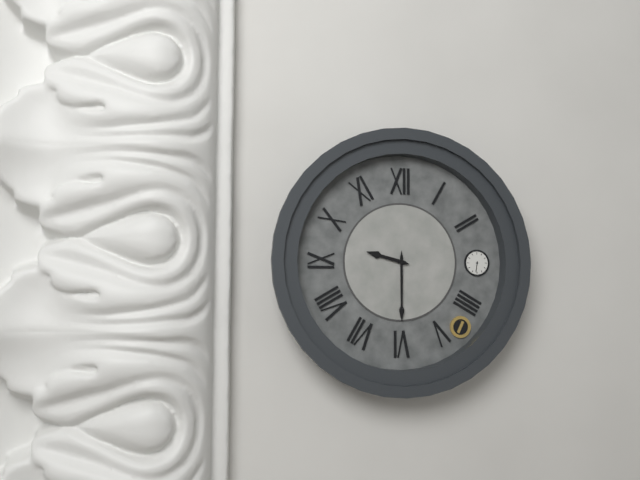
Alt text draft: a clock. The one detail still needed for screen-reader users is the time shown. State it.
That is 9:30
